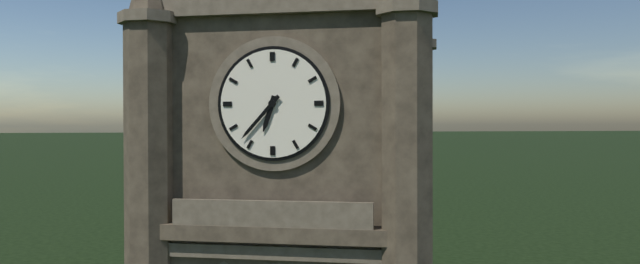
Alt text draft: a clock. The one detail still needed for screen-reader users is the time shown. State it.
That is 6:37
